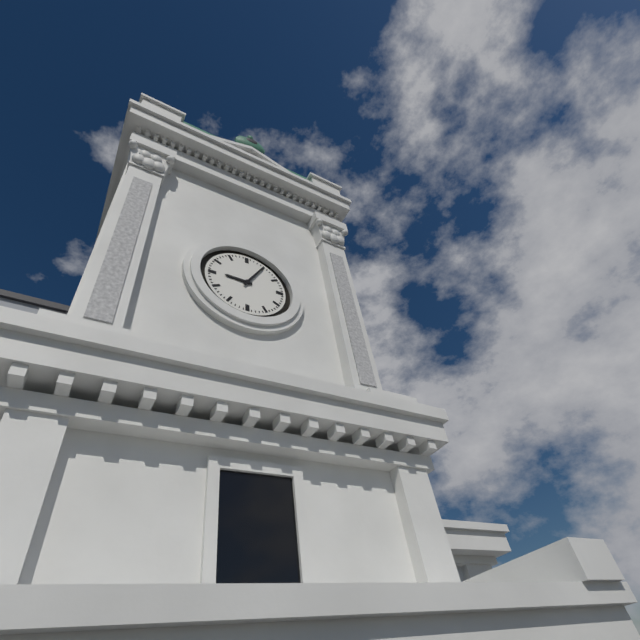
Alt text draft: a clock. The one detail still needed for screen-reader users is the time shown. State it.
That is 9:05
